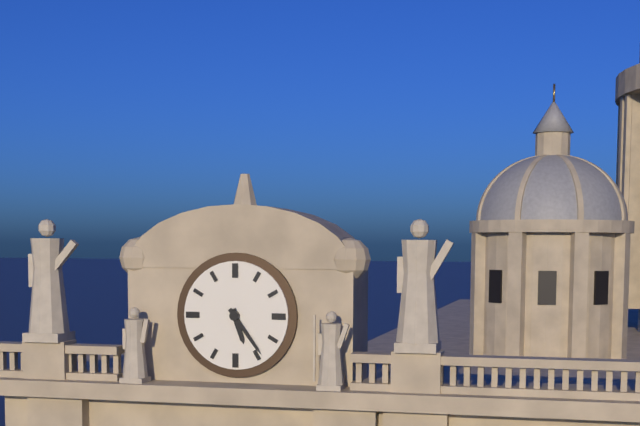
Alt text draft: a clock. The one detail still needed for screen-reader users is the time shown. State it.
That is 5:24
